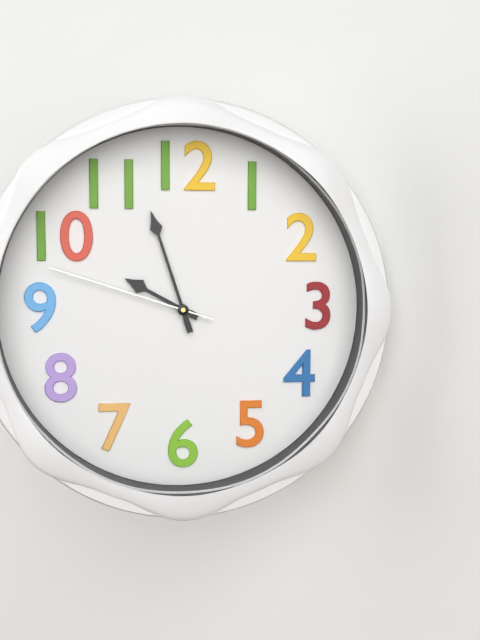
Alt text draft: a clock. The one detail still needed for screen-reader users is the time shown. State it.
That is 9:57:48
